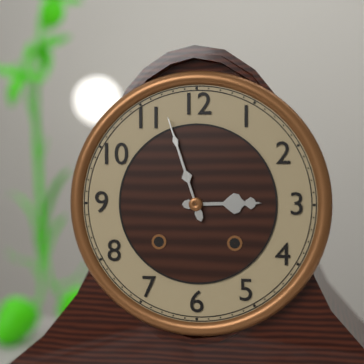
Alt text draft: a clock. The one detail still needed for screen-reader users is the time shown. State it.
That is 2:57
